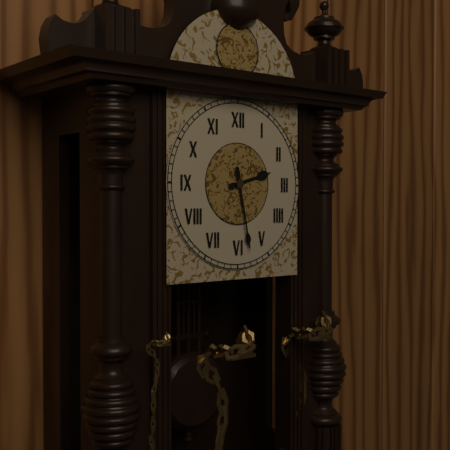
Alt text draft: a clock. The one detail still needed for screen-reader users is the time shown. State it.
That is 2:28
